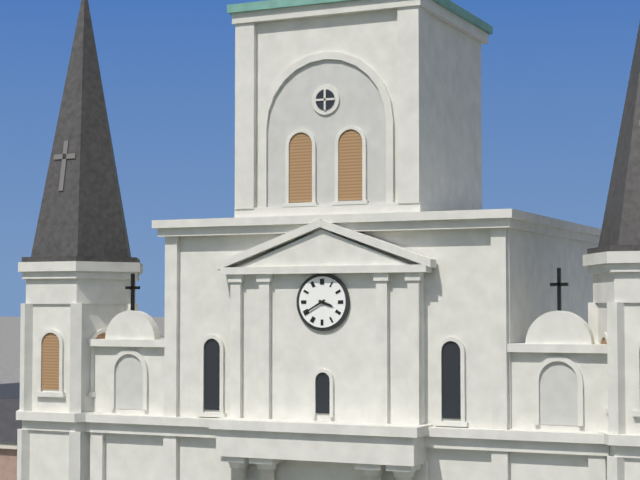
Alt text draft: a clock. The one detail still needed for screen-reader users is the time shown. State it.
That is 3:40
